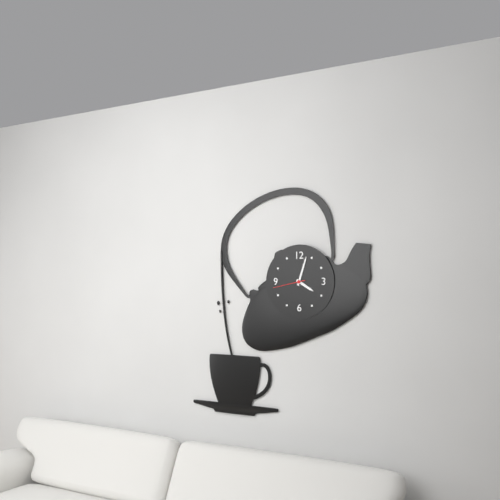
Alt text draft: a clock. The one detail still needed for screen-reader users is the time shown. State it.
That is 4:03
